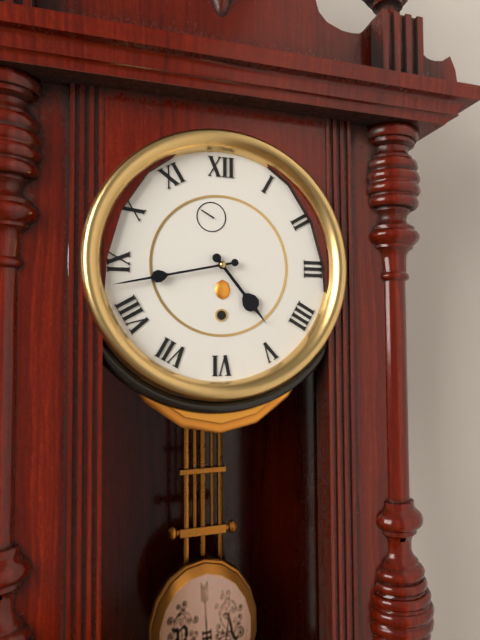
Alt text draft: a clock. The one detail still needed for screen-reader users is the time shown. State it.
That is 4:43
